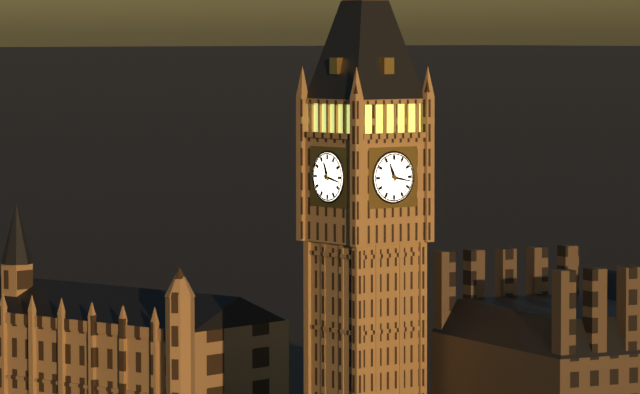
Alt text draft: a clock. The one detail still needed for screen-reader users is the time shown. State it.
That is 11:17
